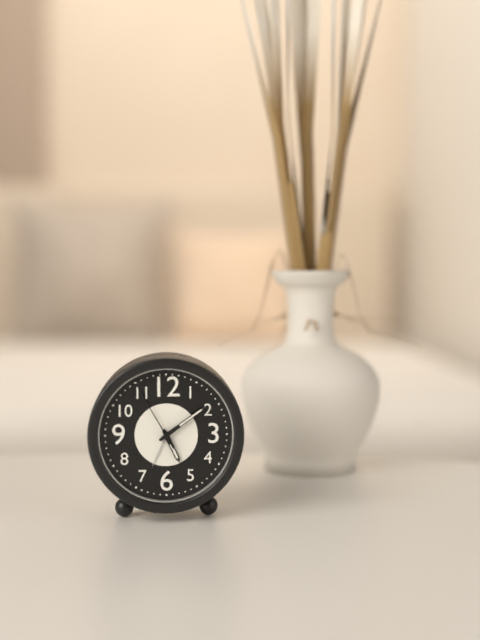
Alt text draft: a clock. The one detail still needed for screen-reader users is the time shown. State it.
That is 5:09:55
